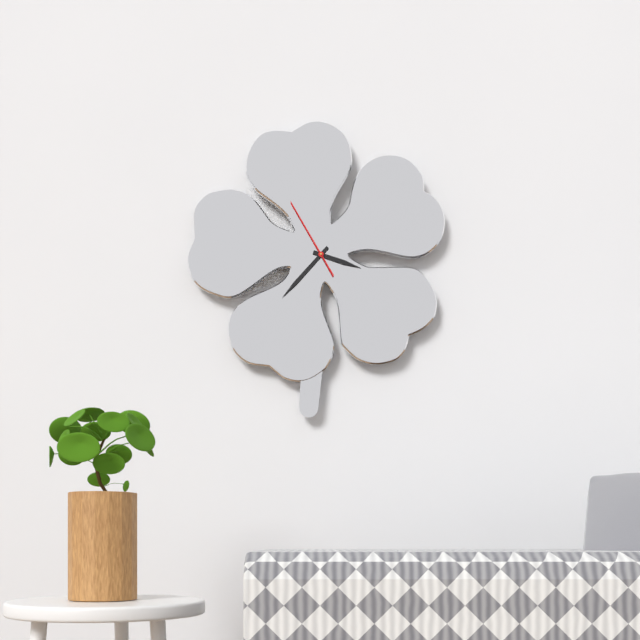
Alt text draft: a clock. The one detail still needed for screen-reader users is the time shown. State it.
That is 3:37:55
